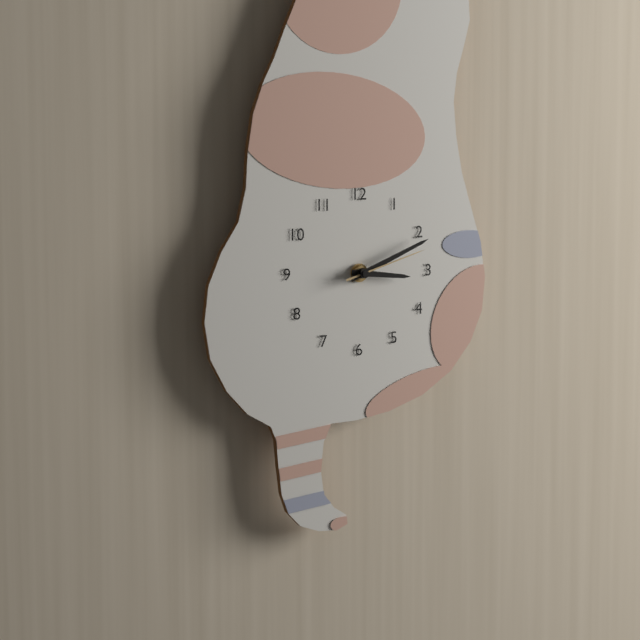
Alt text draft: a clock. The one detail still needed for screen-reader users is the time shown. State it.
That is 3:11:12
